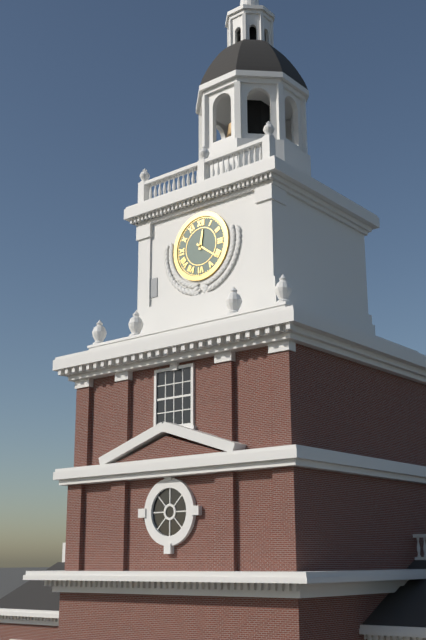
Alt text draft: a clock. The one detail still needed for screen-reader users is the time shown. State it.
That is 12:21
